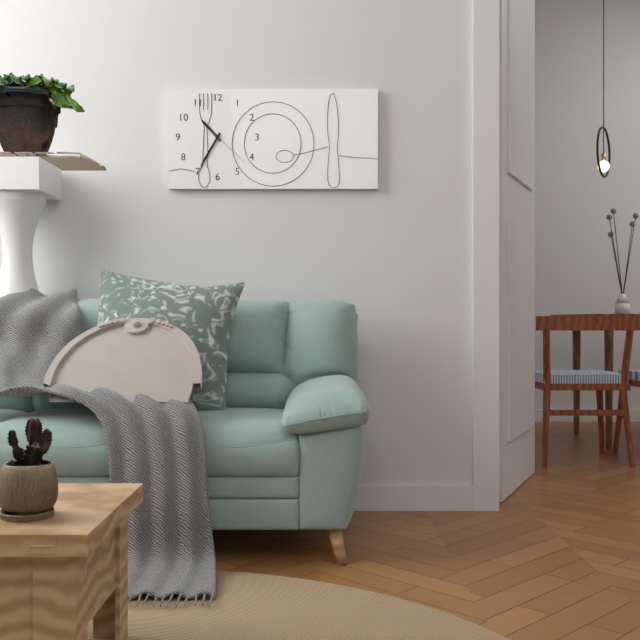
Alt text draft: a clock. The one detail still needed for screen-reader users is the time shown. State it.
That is 10:35
